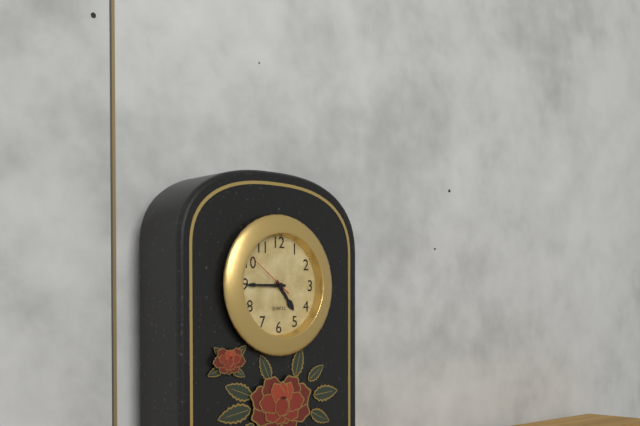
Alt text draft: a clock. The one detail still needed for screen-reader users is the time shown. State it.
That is 4:45
